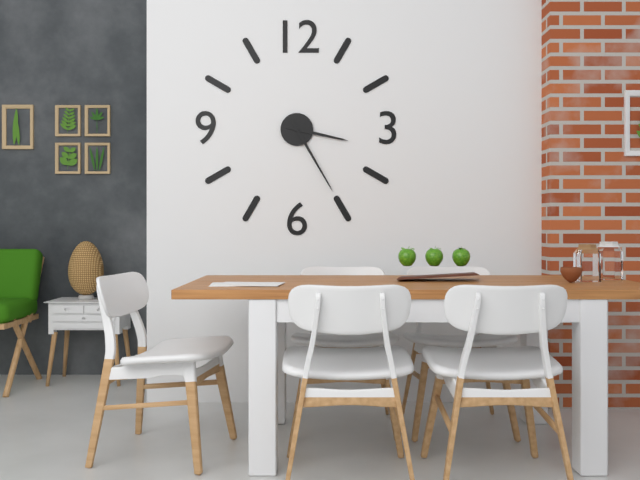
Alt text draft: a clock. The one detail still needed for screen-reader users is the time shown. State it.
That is 3:25
